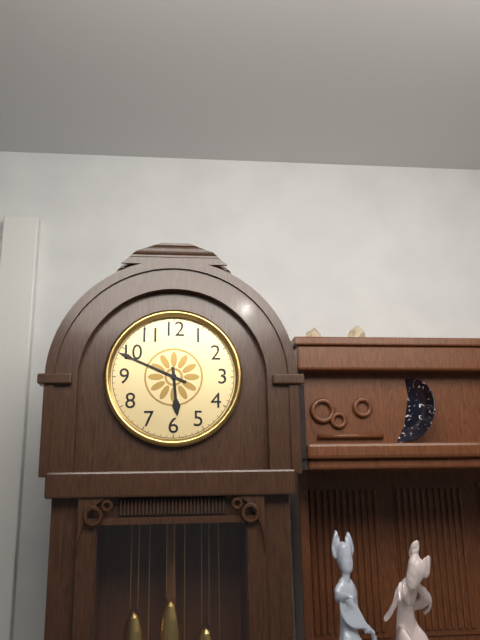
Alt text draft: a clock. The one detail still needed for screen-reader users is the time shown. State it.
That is 5:49
